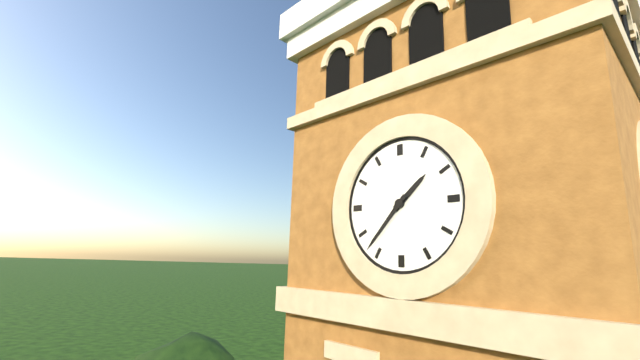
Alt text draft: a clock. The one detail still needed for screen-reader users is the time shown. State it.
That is 1:37
